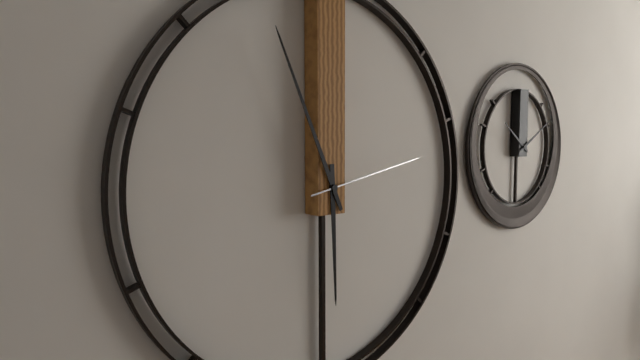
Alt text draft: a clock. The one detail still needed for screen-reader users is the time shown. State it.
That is 5:56:13
